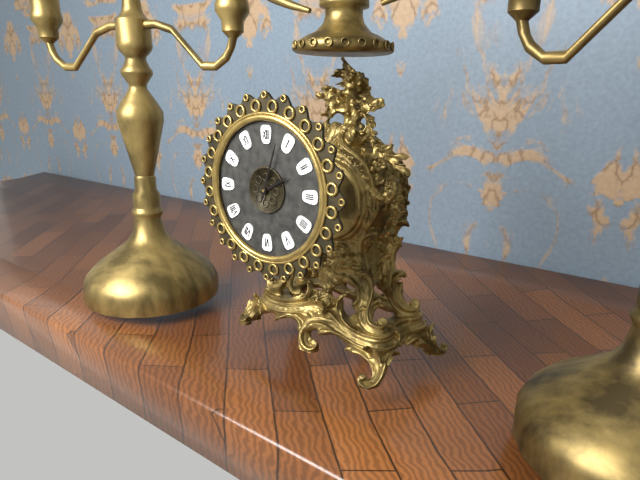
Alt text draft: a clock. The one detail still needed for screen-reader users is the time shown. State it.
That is 2:03
